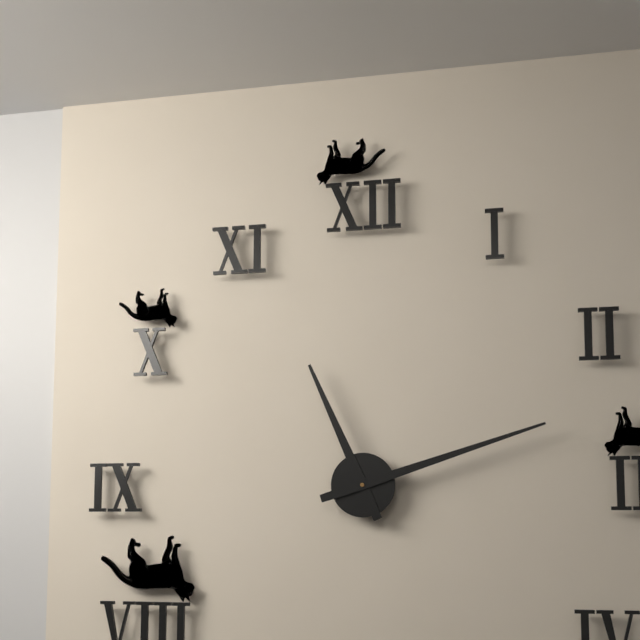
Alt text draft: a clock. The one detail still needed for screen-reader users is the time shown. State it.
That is 11:12
